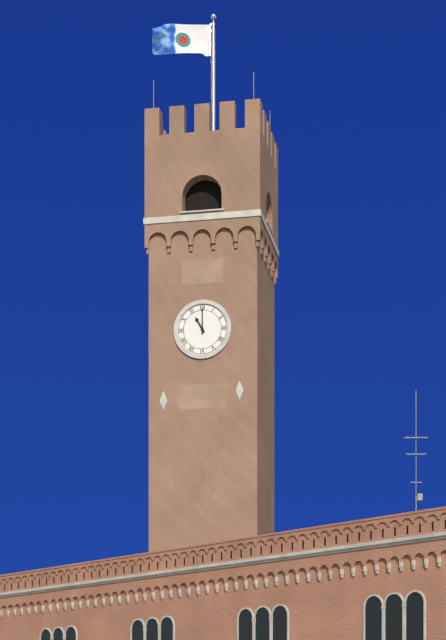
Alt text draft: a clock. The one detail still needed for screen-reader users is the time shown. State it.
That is 11:00
